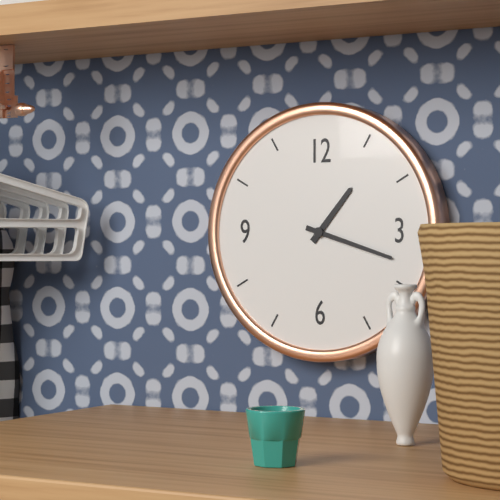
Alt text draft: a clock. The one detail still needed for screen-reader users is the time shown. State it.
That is 1:18
